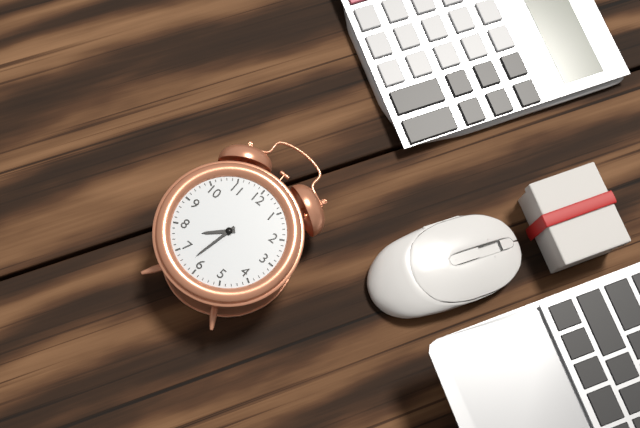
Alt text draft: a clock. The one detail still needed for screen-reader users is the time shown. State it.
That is 7:32
